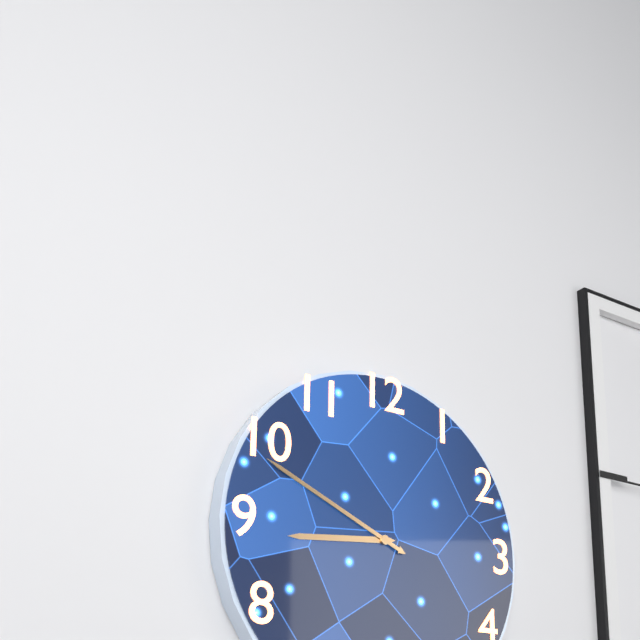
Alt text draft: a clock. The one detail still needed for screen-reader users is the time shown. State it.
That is 8:49
